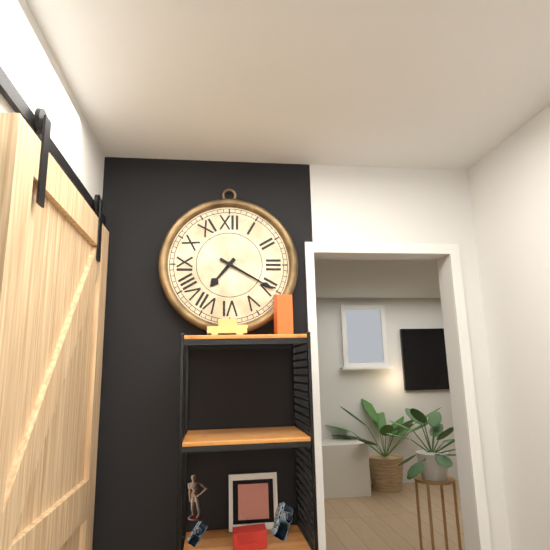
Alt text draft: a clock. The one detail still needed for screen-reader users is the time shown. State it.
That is 7:20
